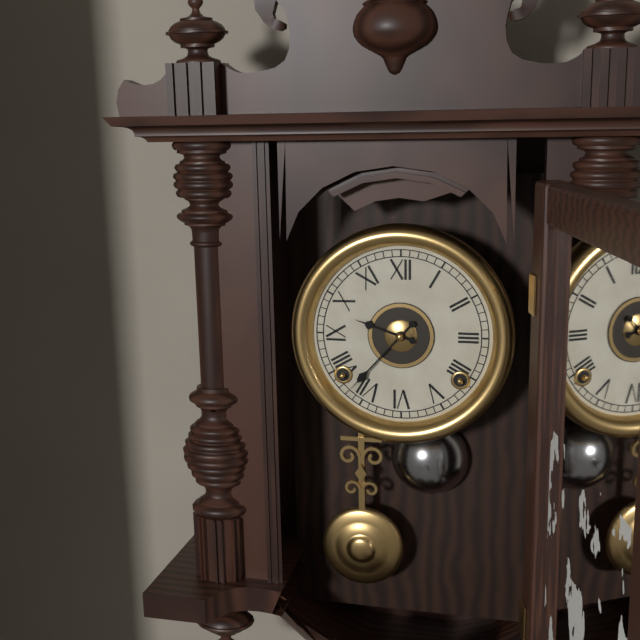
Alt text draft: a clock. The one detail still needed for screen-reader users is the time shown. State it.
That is 9:37
